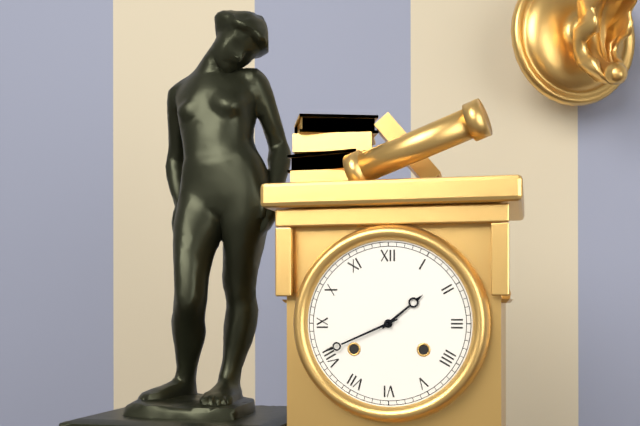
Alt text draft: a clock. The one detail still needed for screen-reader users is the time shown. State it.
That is 1:41
